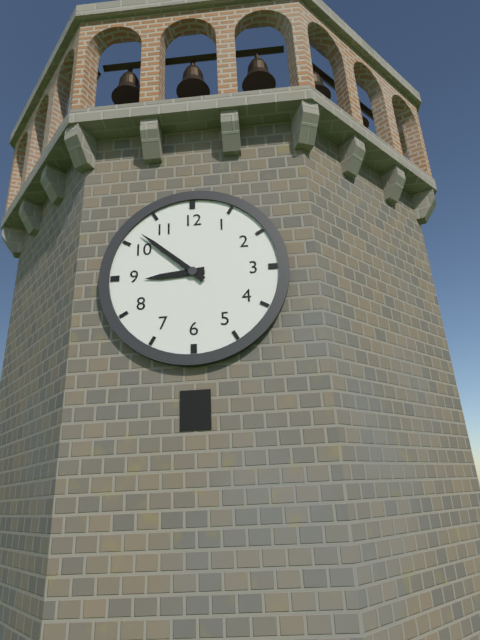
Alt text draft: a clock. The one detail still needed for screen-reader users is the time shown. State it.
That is 8:52
